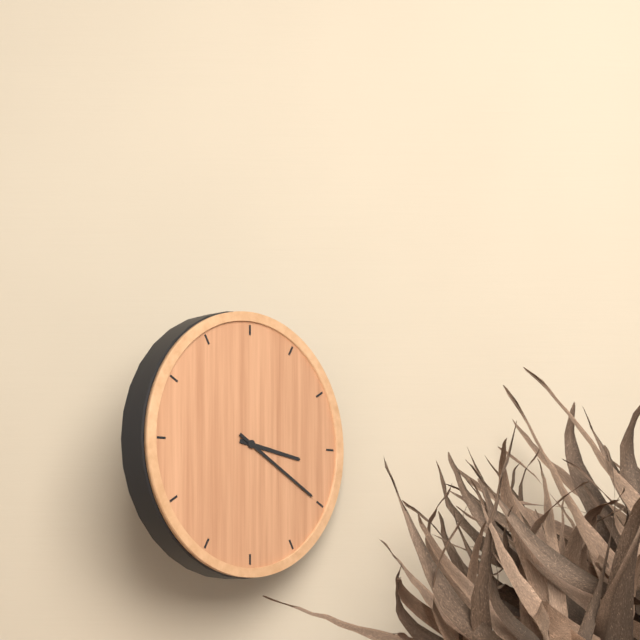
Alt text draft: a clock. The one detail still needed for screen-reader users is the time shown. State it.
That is 3:20
